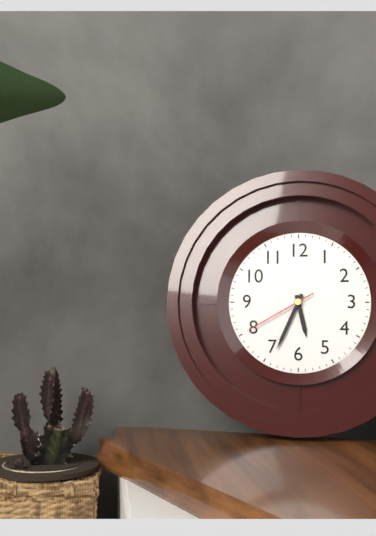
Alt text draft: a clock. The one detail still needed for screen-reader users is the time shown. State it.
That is 5:34:40
